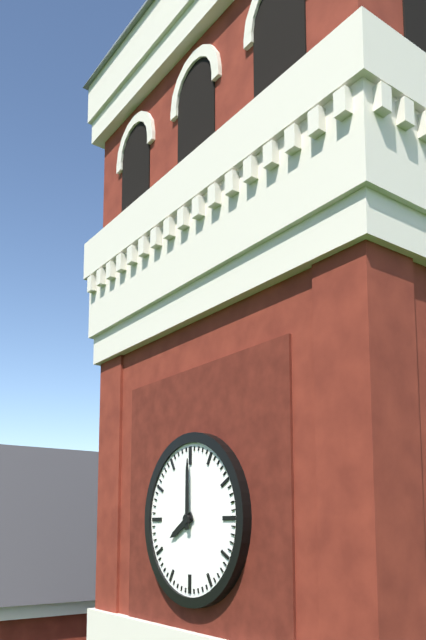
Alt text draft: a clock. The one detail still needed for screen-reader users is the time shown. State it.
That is 8:00
